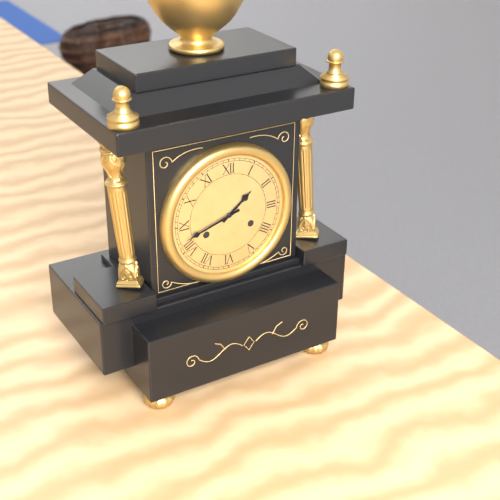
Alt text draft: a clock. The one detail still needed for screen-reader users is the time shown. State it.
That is 1:42
